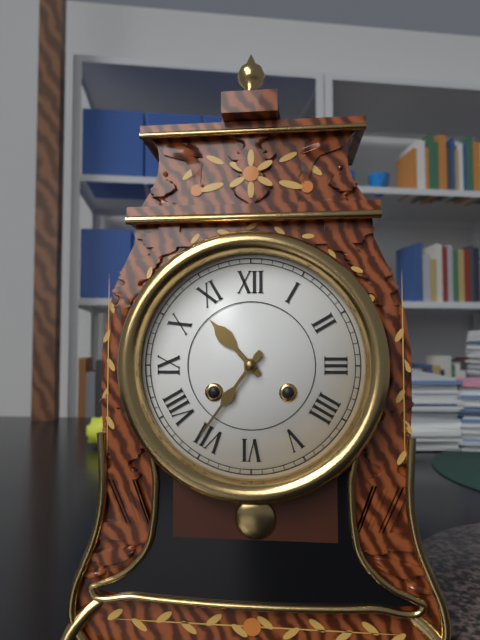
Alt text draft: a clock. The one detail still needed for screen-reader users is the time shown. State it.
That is 10:36
